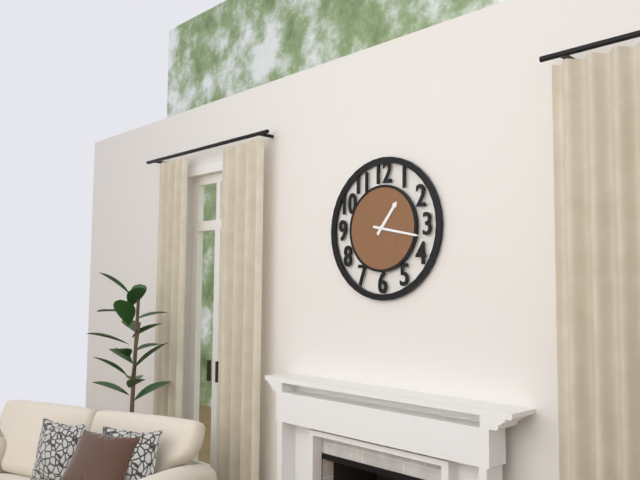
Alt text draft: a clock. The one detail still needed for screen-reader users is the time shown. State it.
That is 1:17
